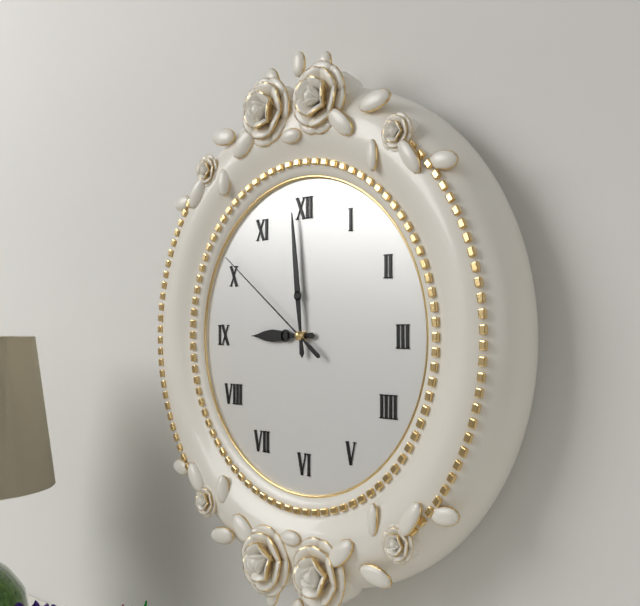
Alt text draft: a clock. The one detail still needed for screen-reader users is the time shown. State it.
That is 8:59:51
